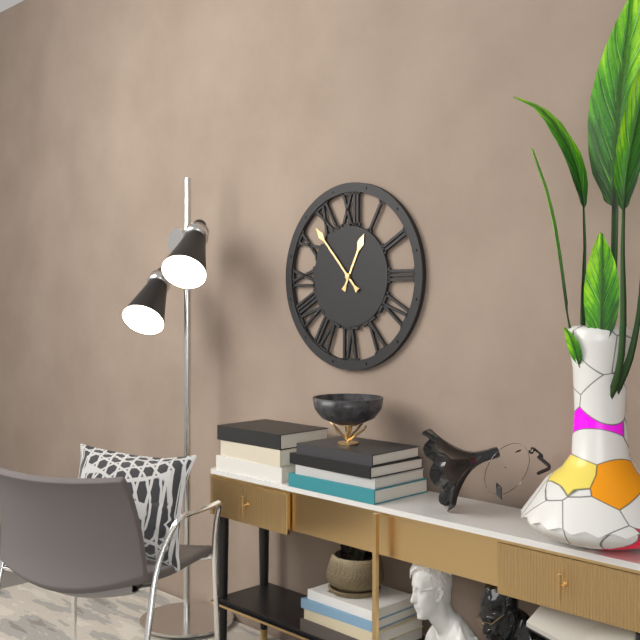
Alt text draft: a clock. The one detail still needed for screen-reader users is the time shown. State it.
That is 12:53
